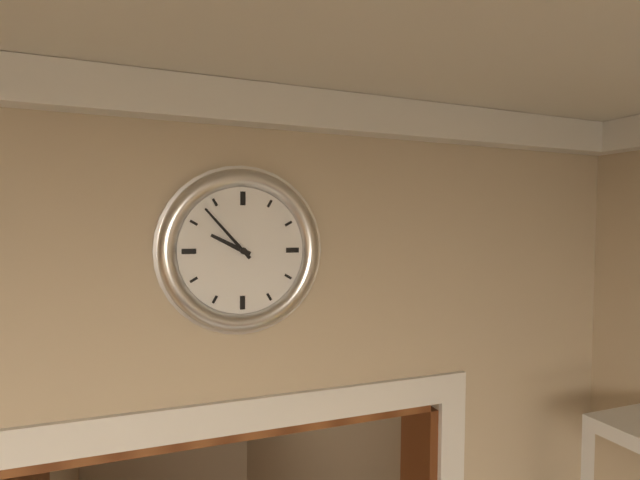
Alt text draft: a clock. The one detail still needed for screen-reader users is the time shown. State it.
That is 9:53
